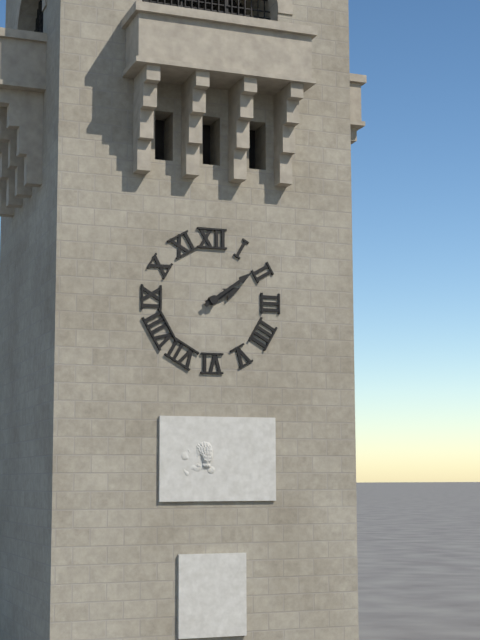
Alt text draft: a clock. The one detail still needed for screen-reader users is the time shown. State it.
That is 2:09
